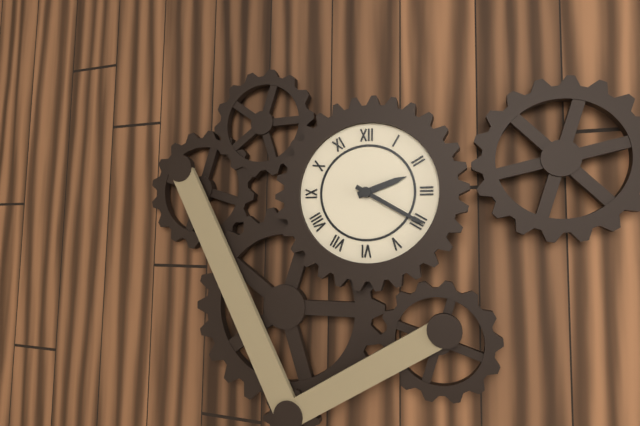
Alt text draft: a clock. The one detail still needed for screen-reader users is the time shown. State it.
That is 2:20
